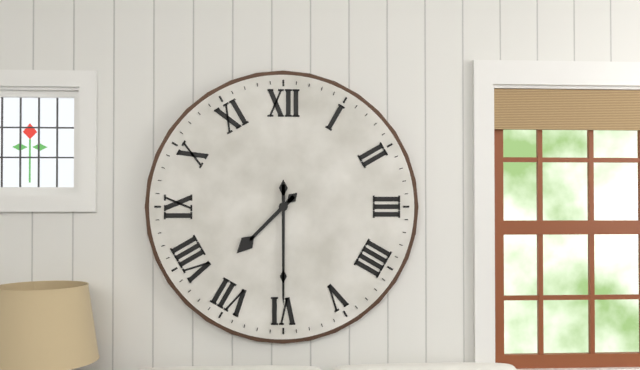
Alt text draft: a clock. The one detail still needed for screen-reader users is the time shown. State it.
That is 7:30
